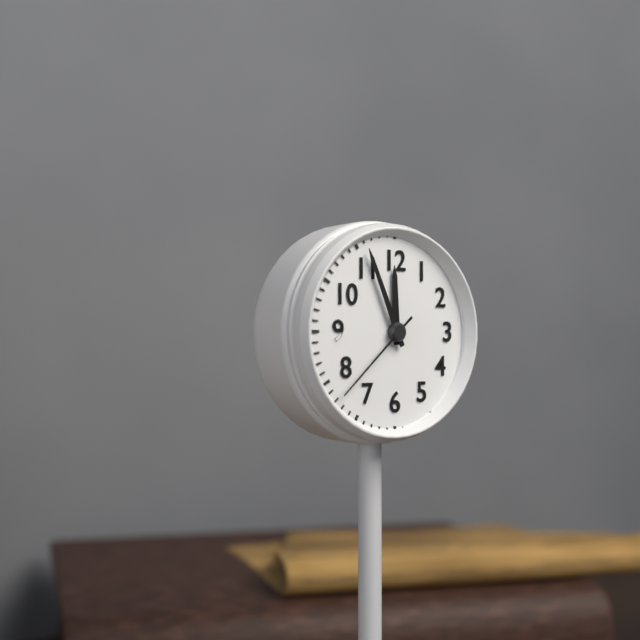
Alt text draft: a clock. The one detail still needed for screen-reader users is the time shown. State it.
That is 11:56:38
